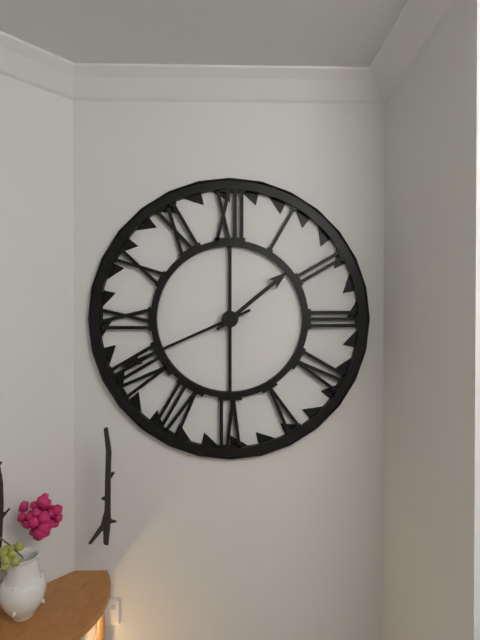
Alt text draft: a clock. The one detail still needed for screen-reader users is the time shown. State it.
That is 1:41
